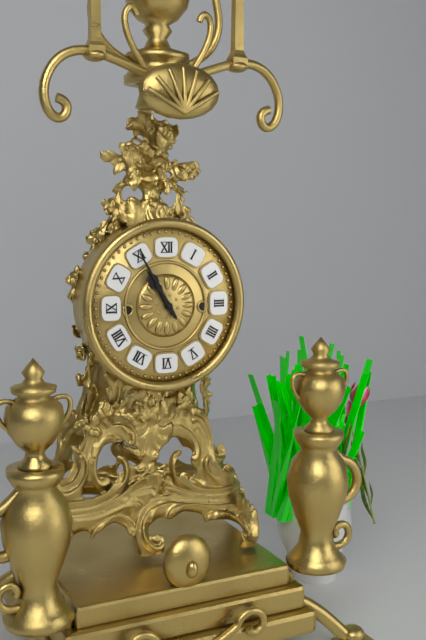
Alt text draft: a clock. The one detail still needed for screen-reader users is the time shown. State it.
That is 10:55
